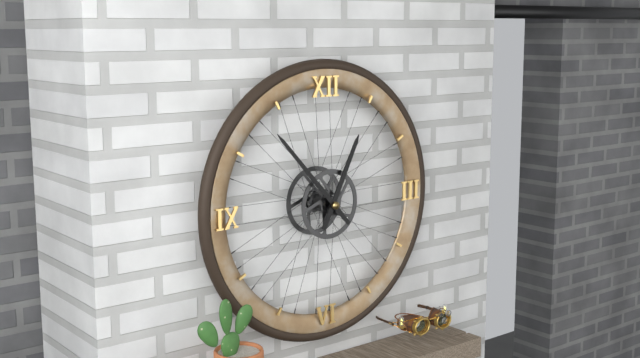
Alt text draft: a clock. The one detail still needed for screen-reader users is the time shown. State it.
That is 12:53
